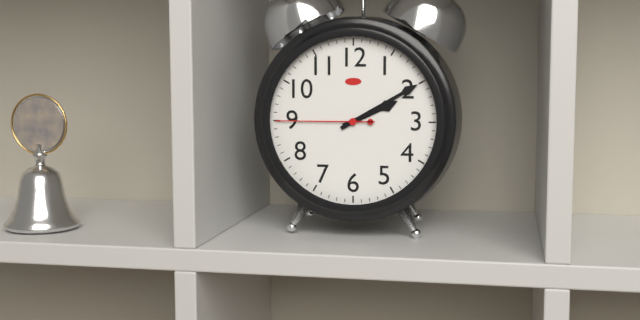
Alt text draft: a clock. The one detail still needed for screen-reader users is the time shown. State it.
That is 2:10:45
